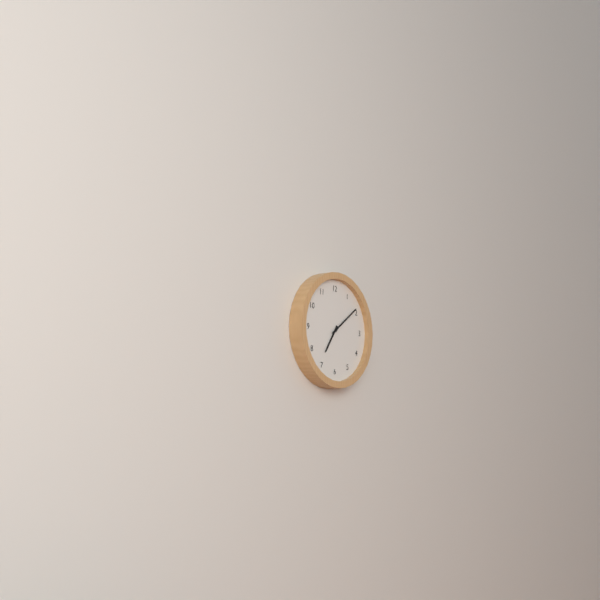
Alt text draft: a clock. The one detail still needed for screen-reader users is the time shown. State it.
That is 7:09
